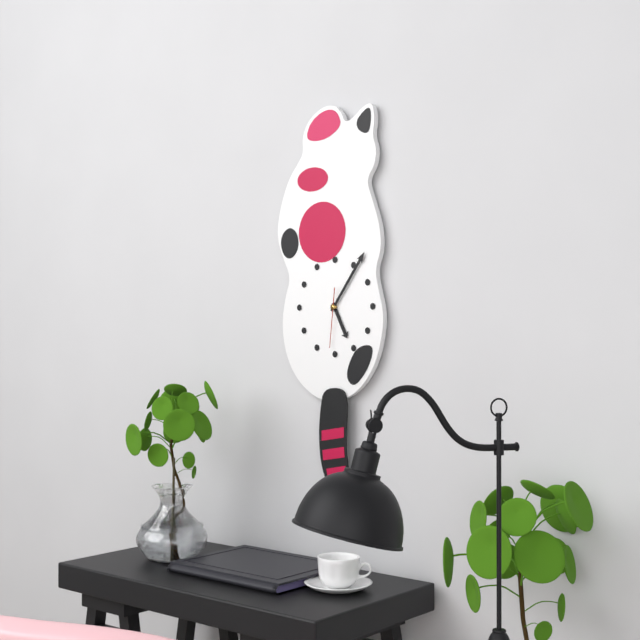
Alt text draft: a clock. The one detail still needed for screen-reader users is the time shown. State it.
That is 5:06:31
